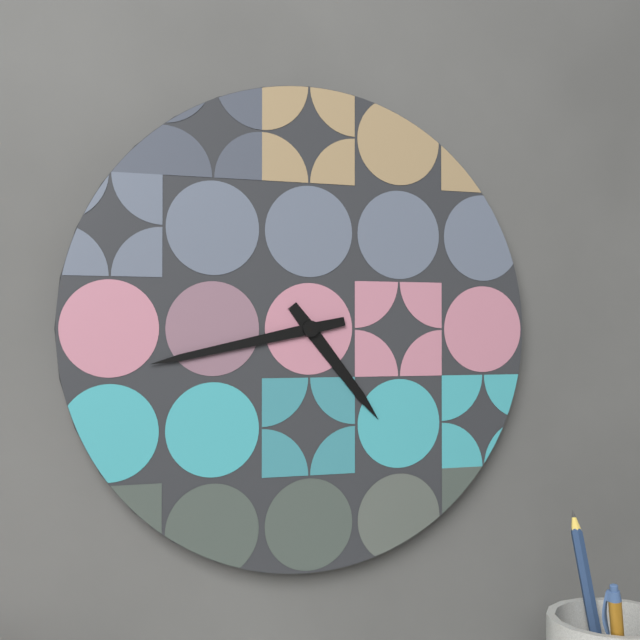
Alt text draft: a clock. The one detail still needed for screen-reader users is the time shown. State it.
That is 4:43
